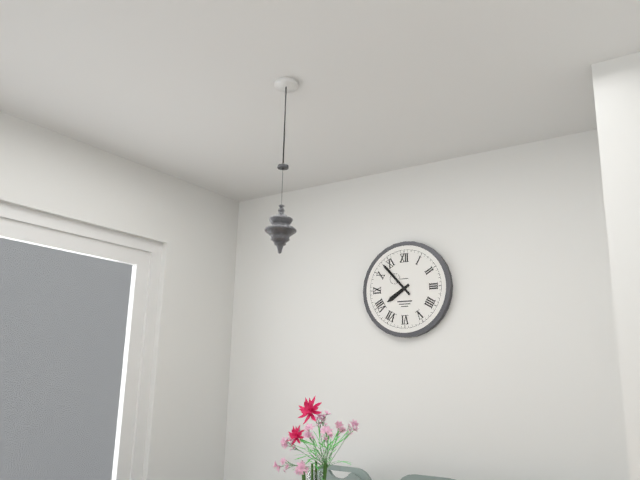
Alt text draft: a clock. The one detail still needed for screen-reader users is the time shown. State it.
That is 7:53
